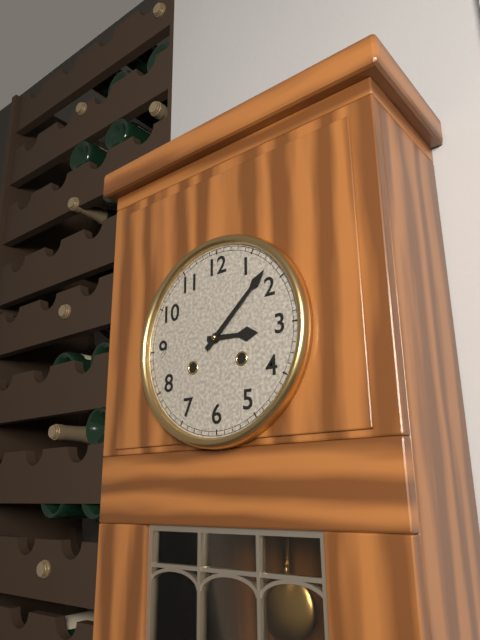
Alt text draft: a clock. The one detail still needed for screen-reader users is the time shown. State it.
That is 3:08
